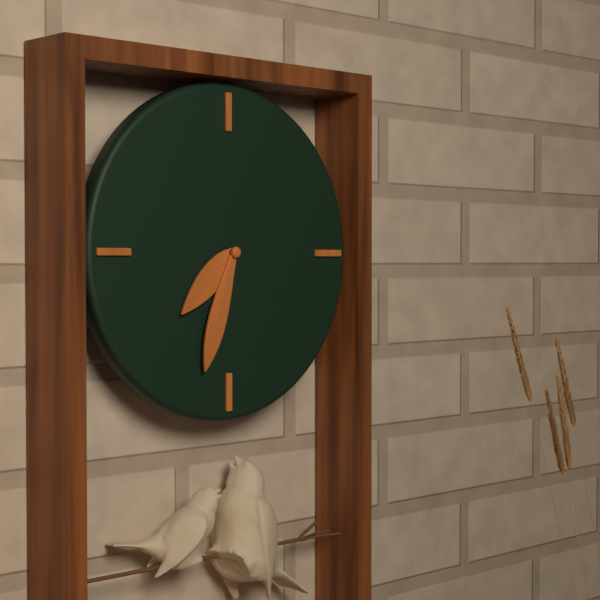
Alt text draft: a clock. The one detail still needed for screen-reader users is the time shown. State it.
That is 7:33
